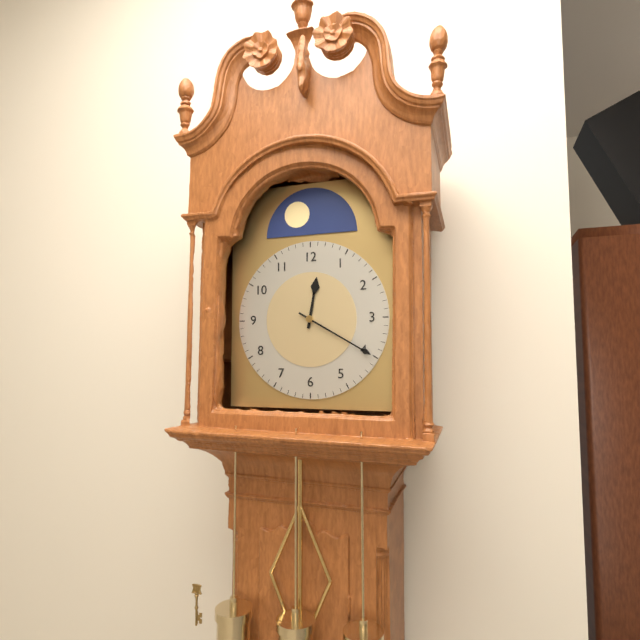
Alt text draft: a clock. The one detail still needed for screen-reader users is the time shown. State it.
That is 12:20
